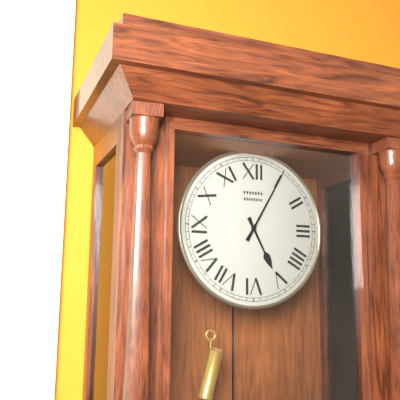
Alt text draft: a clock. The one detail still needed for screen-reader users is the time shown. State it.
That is 5:05
